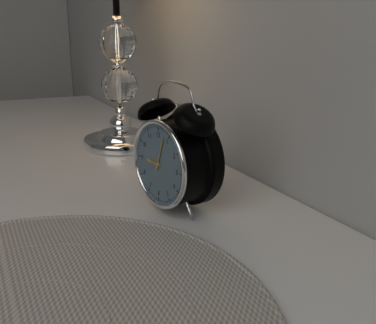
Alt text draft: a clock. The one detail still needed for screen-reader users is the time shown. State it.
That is 9:03
